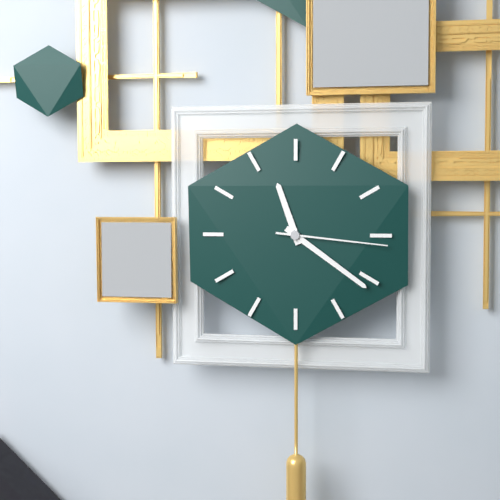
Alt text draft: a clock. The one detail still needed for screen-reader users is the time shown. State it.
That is 11:21:16
